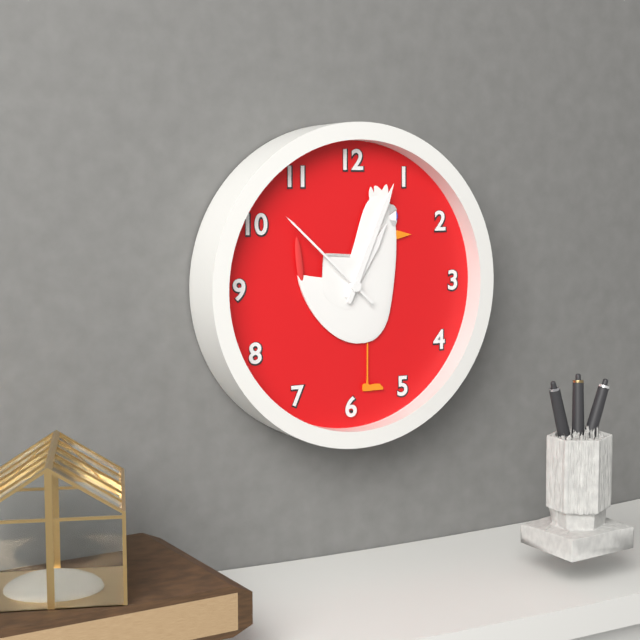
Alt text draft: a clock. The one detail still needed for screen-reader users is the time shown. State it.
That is 1:04:52
